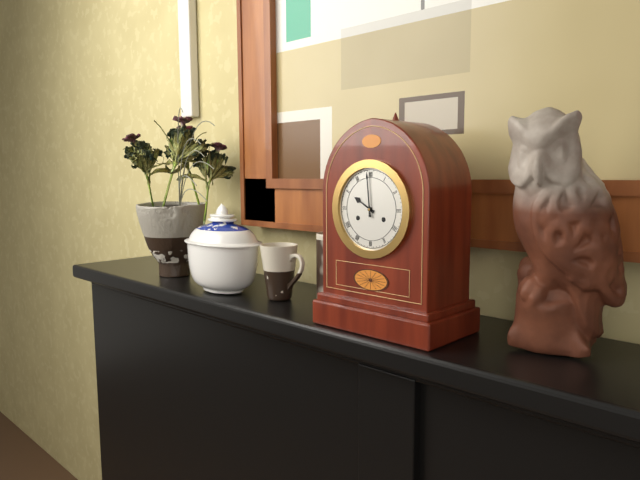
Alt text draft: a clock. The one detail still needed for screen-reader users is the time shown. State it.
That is 9:59
